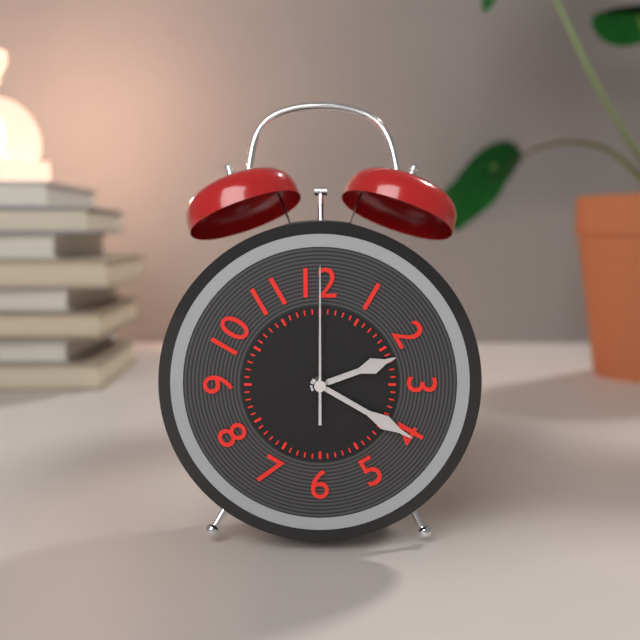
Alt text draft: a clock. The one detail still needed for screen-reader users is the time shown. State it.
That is 2:20:00
